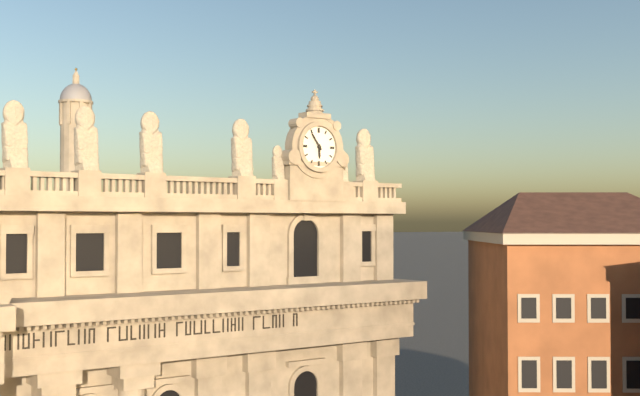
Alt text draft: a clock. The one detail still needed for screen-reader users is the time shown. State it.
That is 5:54
